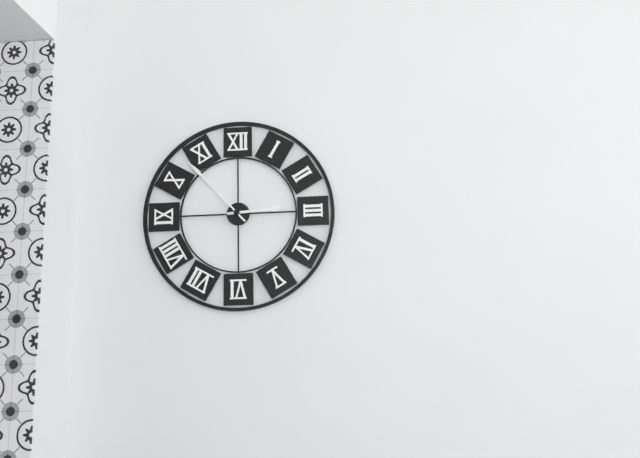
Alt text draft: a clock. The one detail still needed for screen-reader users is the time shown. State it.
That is 2:53
